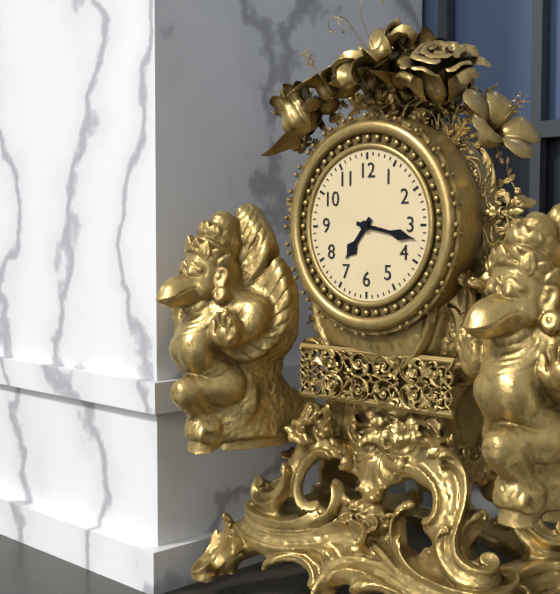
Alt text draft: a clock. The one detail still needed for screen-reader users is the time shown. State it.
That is 7:17
